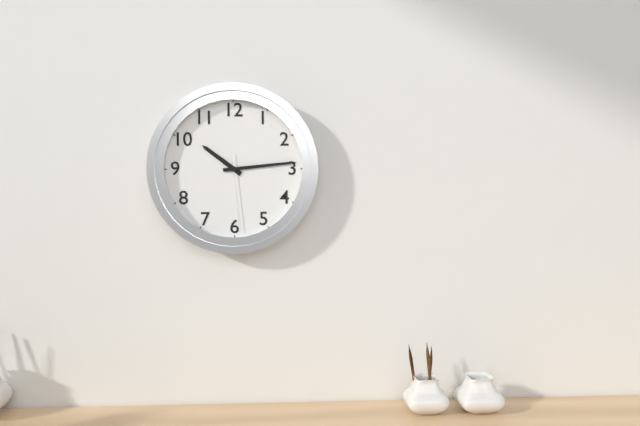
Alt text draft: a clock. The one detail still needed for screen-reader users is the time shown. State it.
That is 10:14:29
